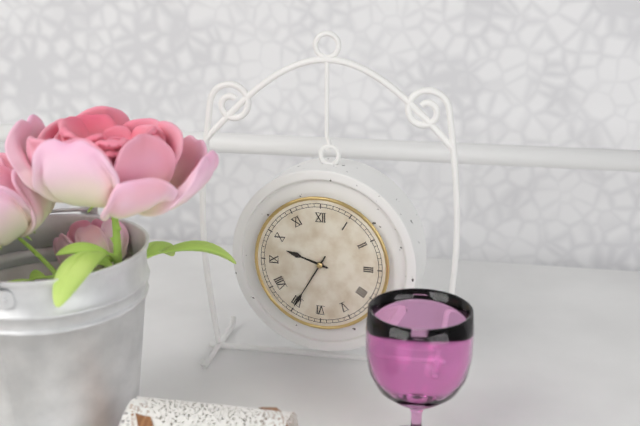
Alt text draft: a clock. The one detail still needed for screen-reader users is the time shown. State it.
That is 9:35
